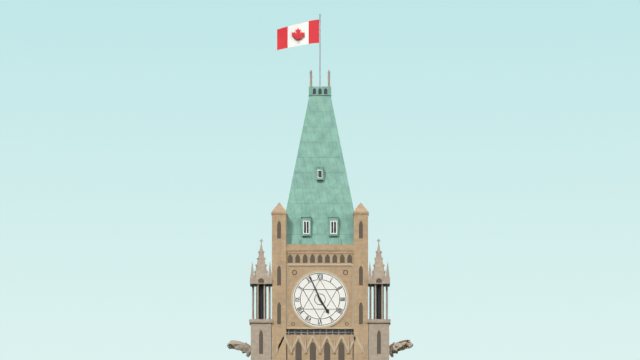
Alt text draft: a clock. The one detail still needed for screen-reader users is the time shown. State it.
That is 4:56
